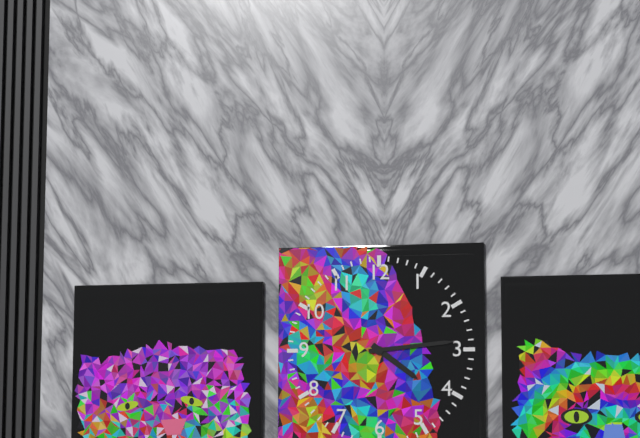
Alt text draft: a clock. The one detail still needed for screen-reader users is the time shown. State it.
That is 4:14
